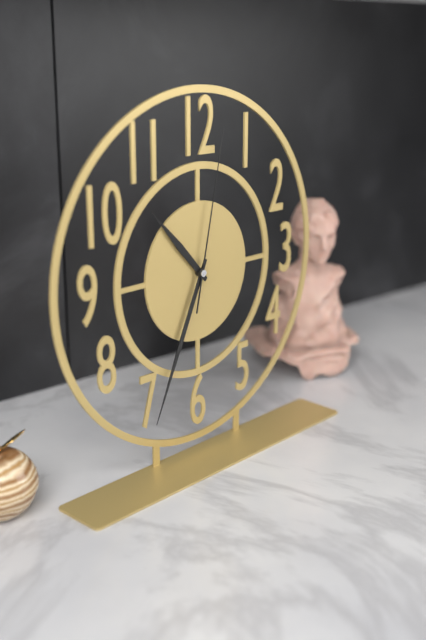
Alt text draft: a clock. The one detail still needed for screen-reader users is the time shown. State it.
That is 10:34:02
